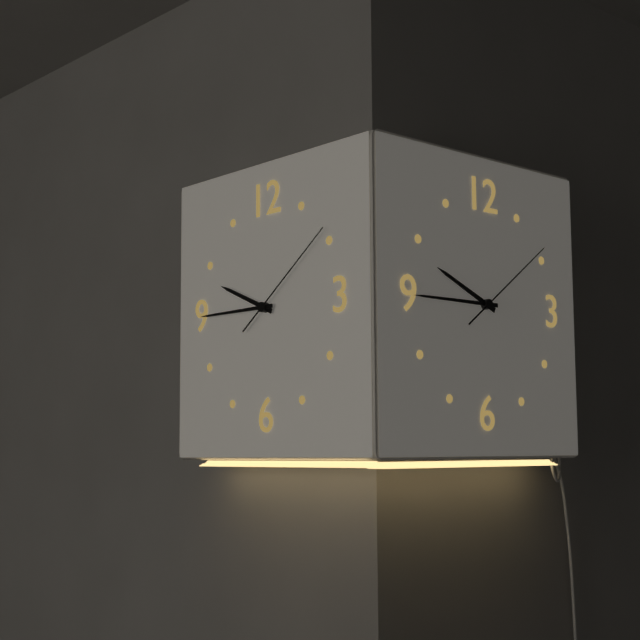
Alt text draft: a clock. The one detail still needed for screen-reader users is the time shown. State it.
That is 9:45:09
